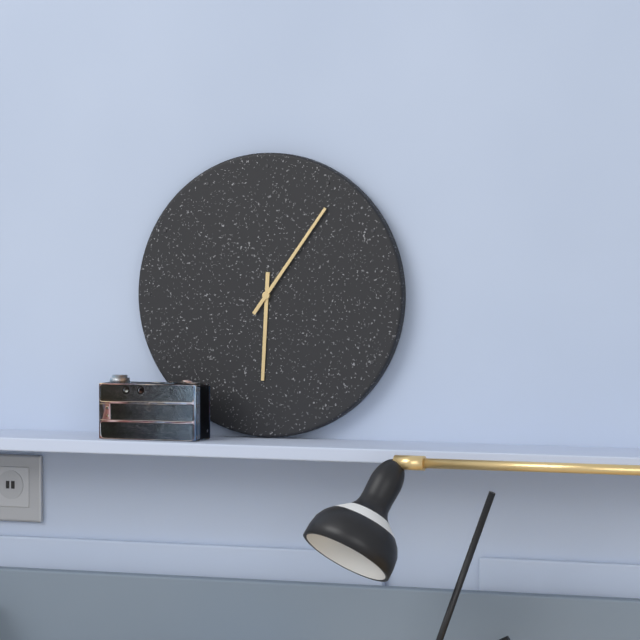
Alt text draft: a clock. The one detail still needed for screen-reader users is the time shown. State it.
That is 6:06
